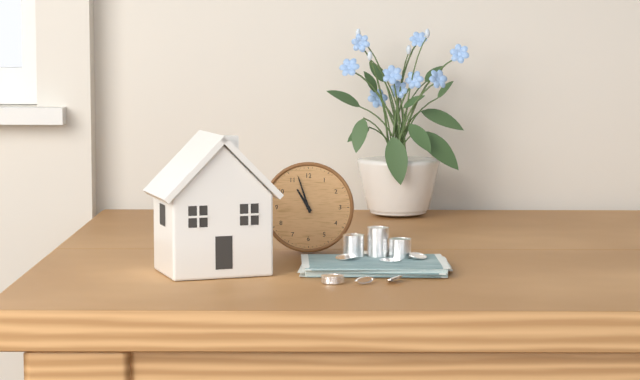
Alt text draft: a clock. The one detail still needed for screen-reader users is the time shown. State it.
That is 10:57
